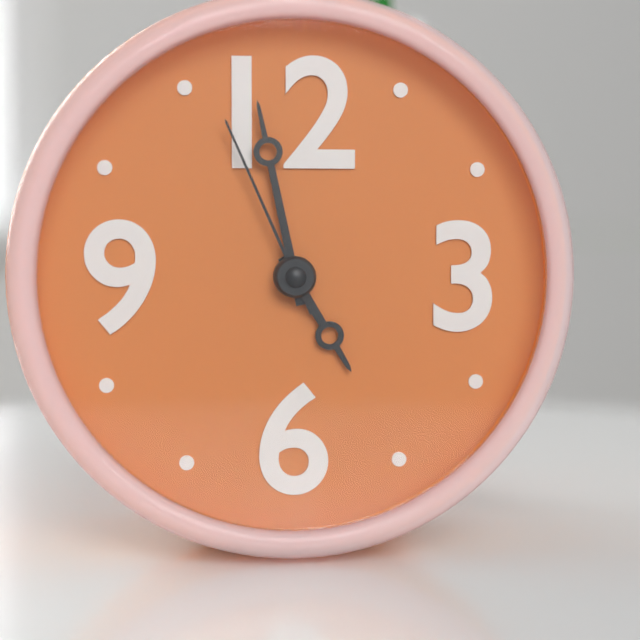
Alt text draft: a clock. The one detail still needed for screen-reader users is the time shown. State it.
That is 4:58:56
